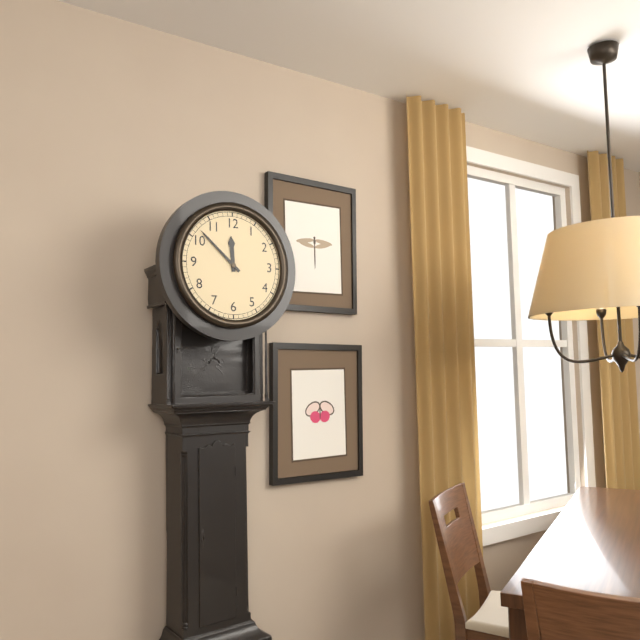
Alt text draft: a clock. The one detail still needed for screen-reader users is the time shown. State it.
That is 11:52
